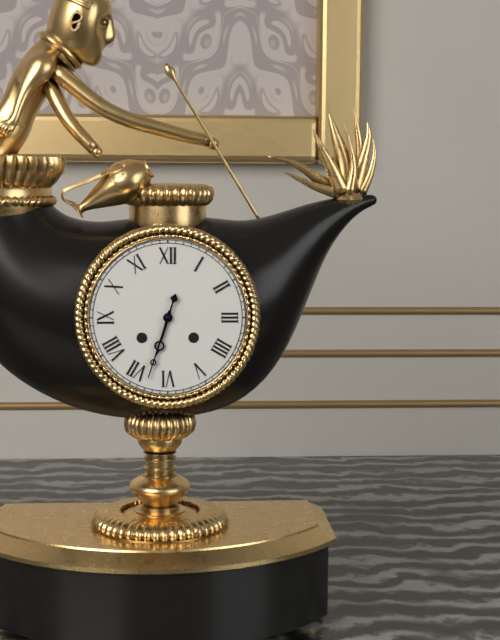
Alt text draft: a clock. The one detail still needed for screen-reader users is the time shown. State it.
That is 6:33
